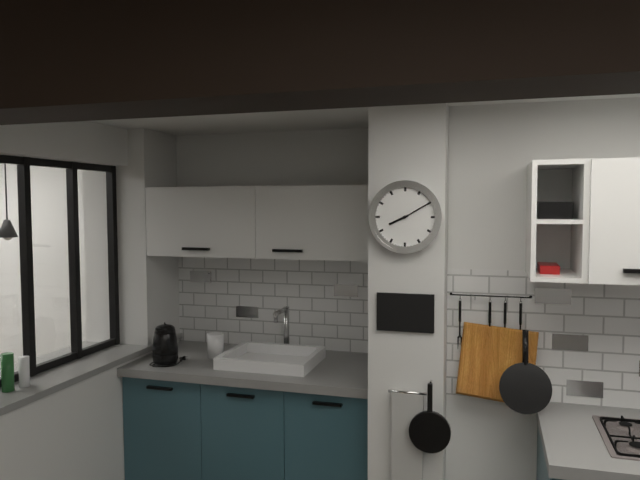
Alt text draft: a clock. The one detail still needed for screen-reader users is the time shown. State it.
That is 8:10
